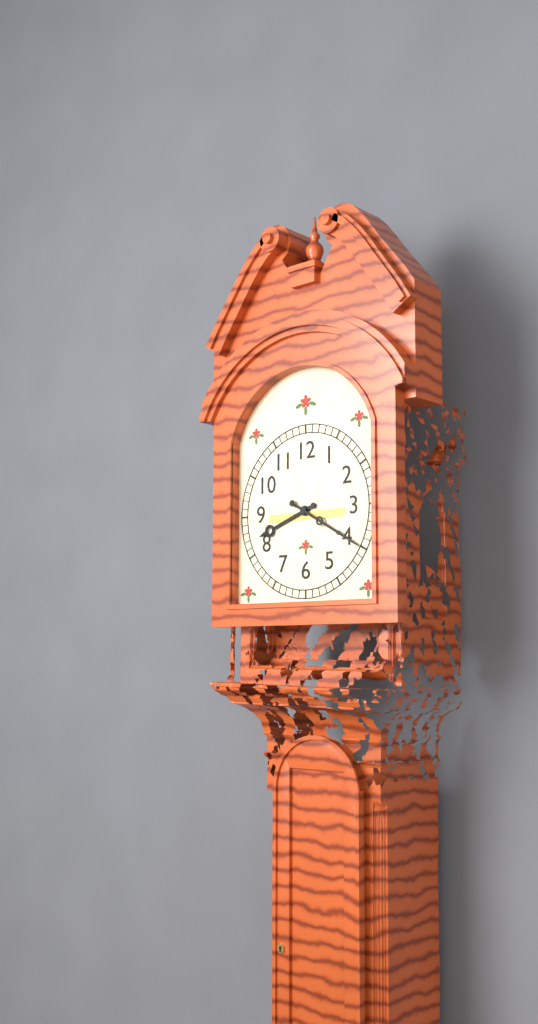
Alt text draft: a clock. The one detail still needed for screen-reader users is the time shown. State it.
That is 8:20
